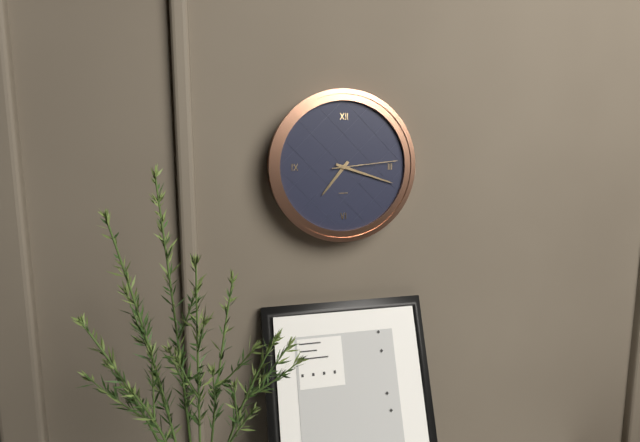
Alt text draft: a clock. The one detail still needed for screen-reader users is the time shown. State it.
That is 7:18:14
